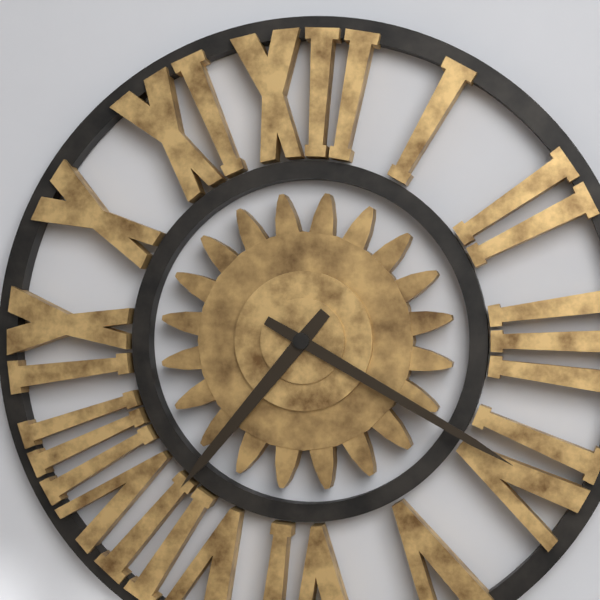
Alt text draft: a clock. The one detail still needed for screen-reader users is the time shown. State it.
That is 7:20
